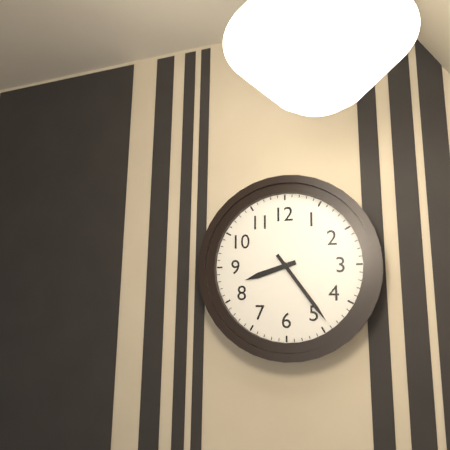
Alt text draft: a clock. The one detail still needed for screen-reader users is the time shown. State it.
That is 8:24
